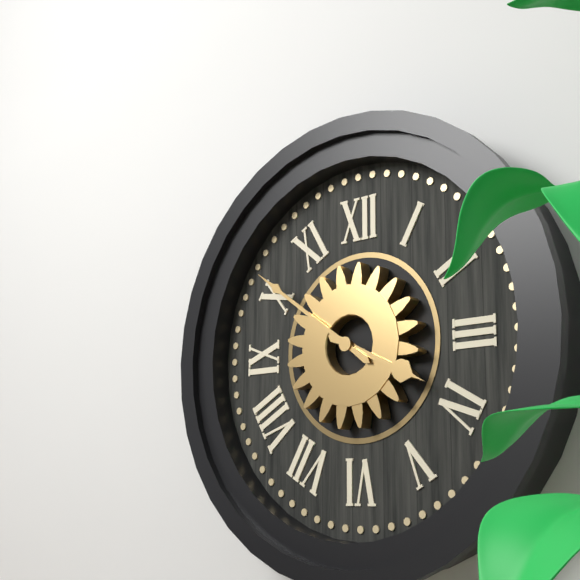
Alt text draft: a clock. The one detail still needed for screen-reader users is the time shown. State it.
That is 3:51
